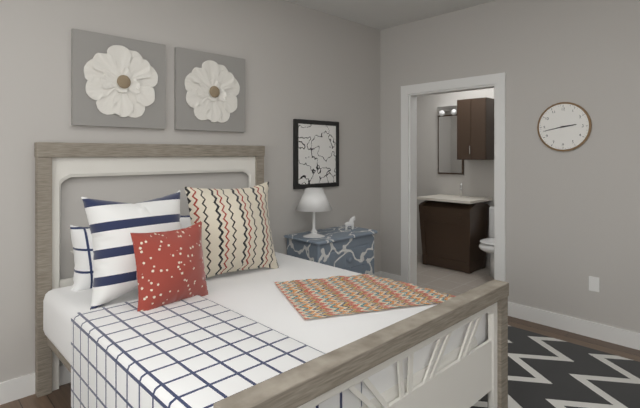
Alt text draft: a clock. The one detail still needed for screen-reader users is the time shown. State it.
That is 2:43
